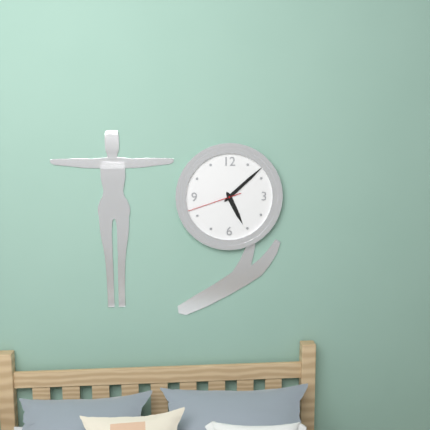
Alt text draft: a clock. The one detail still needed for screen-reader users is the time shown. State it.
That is 5:08:42
